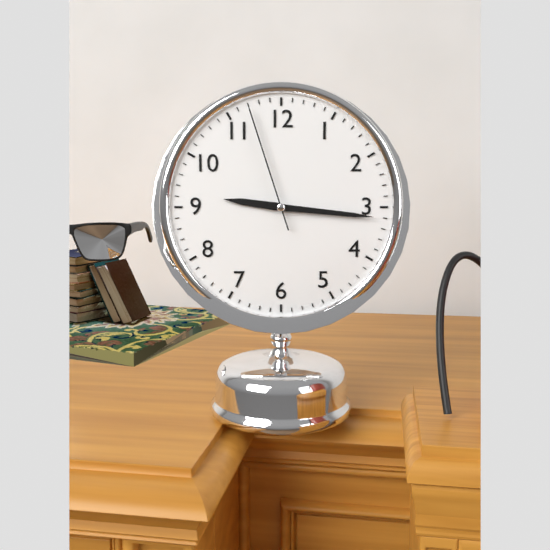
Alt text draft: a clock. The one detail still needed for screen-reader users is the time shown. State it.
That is 9:16:57
